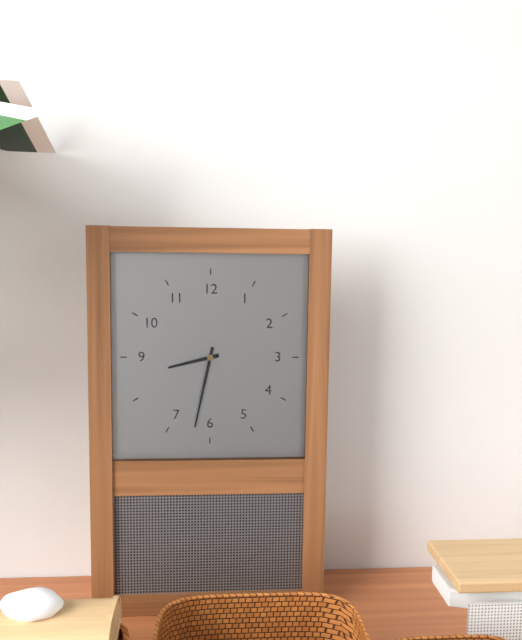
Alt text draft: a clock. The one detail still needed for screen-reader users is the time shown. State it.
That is 8:32
